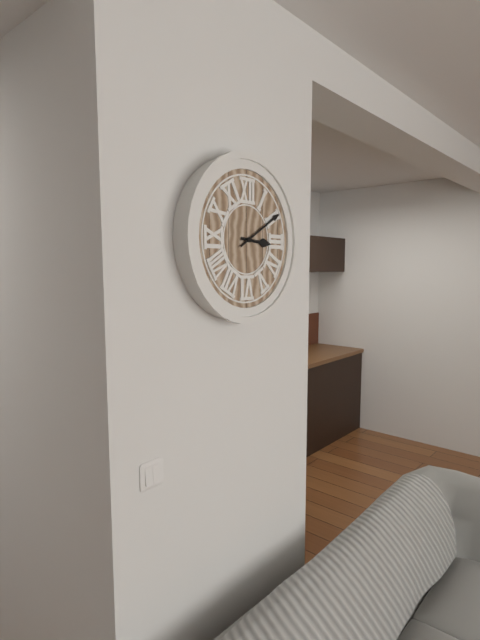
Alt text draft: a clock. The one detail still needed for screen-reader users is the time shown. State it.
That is 3:10
